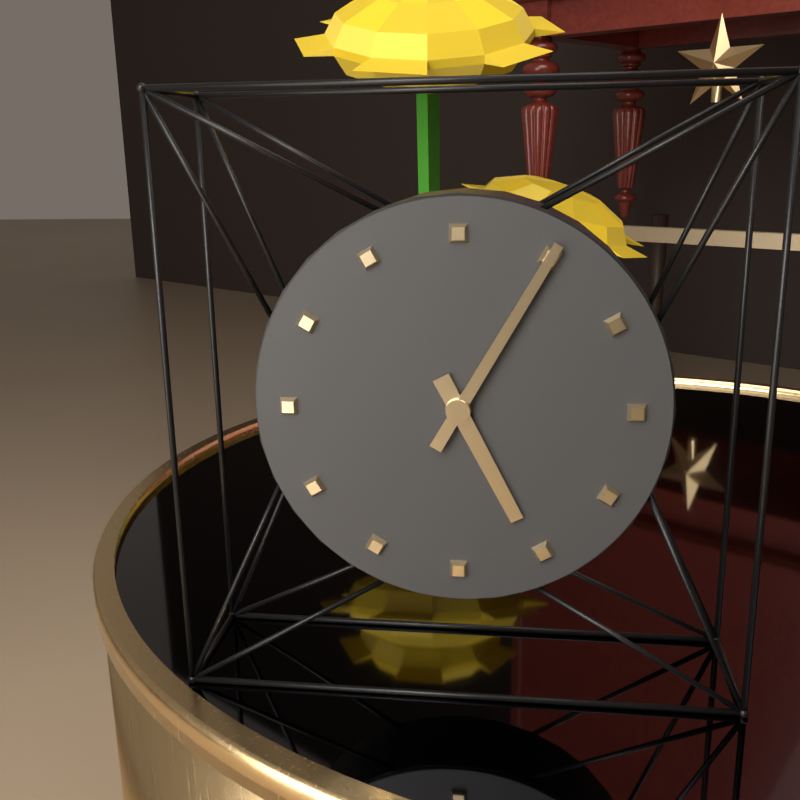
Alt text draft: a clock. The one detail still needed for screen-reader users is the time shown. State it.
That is 5:05
